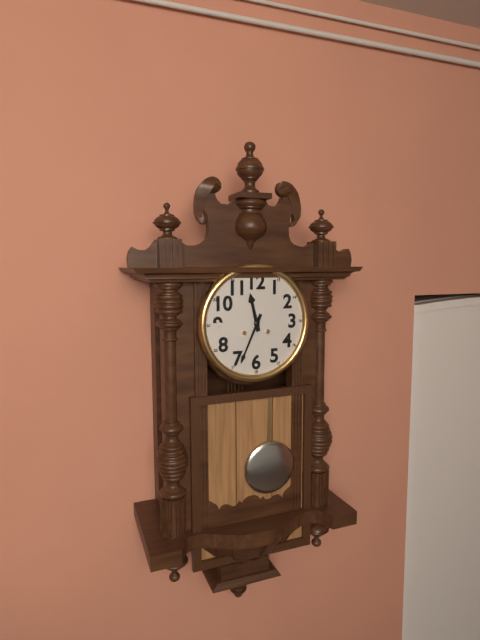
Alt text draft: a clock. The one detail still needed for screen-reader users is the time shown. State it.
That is 11:34
